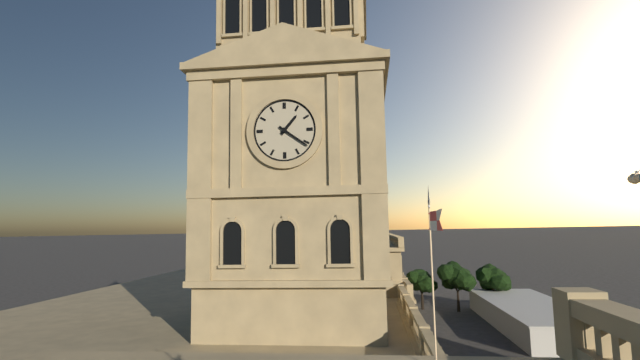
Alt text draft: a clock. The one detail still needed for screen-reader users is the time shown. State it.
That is 1:21
